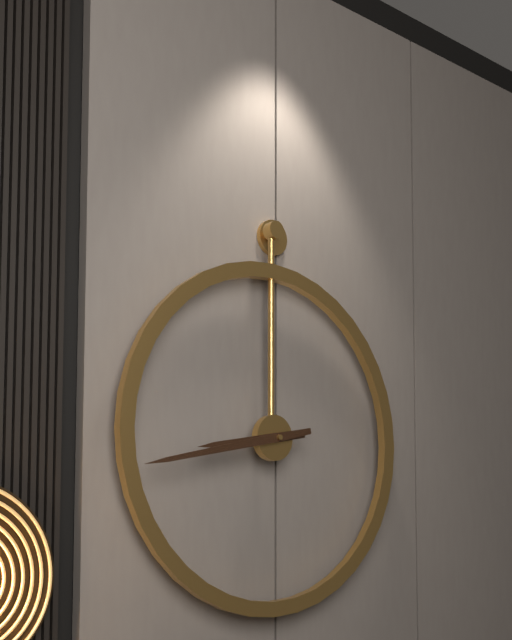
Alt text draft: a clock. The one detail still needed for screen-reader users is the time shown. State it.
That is 8:43
